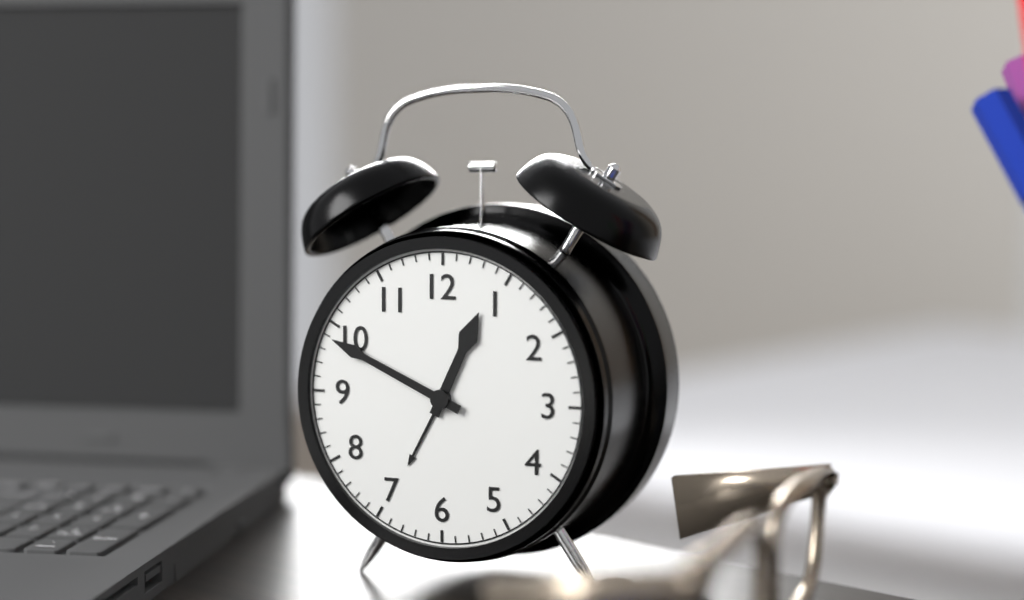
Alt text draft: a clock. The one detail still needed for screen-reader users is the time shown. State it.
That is 12:49
